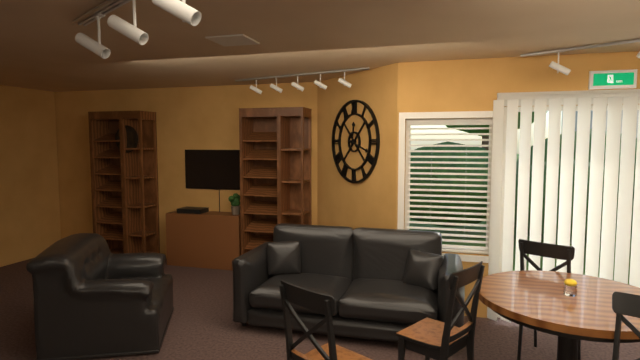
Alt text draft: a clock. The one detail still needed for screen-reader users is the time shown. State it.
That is 12:18
